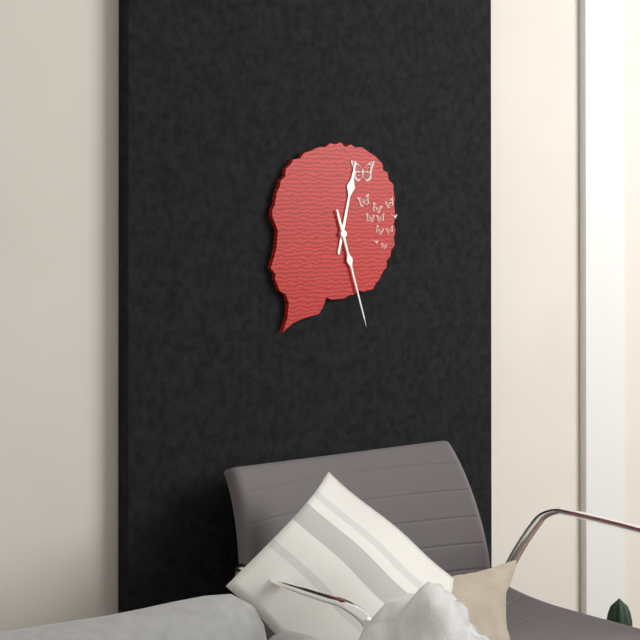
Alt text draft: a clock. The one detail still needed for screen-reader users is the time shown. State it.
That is 12:27
